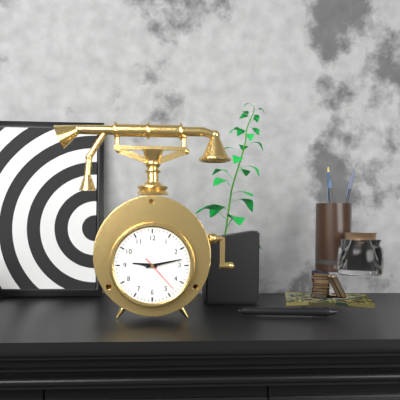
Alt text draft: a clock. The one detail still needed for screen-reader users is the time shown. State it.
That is 9:13
